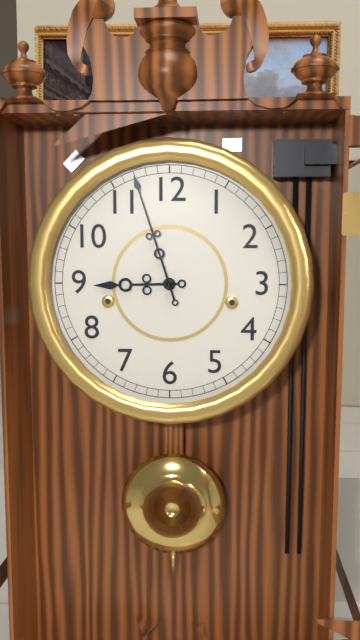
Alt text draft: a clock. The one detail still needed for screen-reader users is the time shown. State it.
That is 8:57
